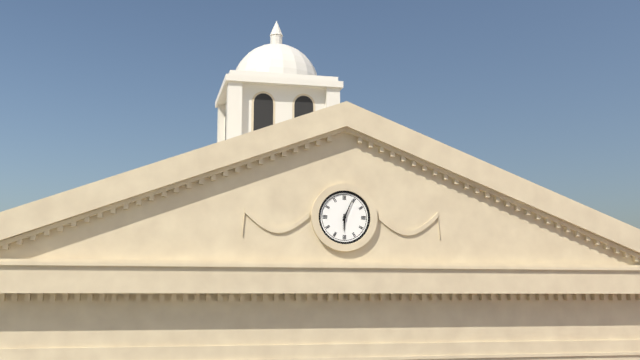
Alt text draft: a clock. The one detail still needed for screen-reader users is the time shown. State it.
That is 6:04
